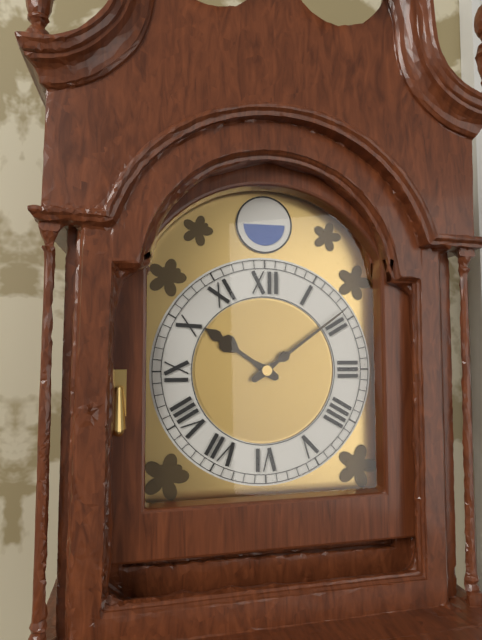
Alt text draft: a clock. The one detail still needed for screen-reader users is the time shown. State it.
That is 10:09
